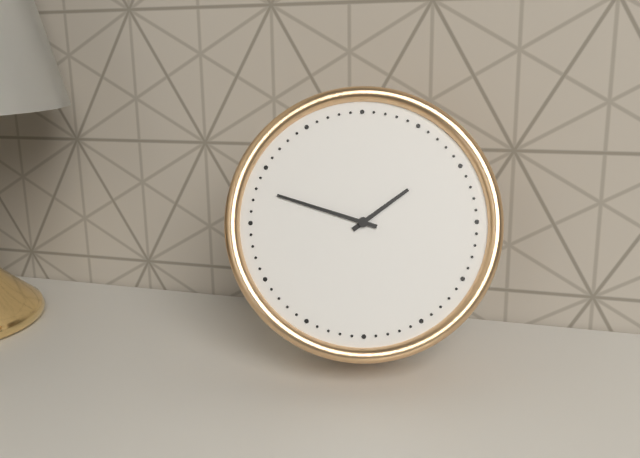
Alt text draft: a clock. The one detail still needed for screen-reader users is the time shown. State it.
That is 1:48
